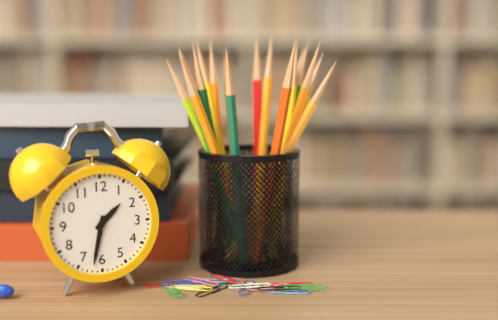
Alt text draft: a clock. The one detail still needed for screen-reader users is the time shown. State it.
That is 1:32
